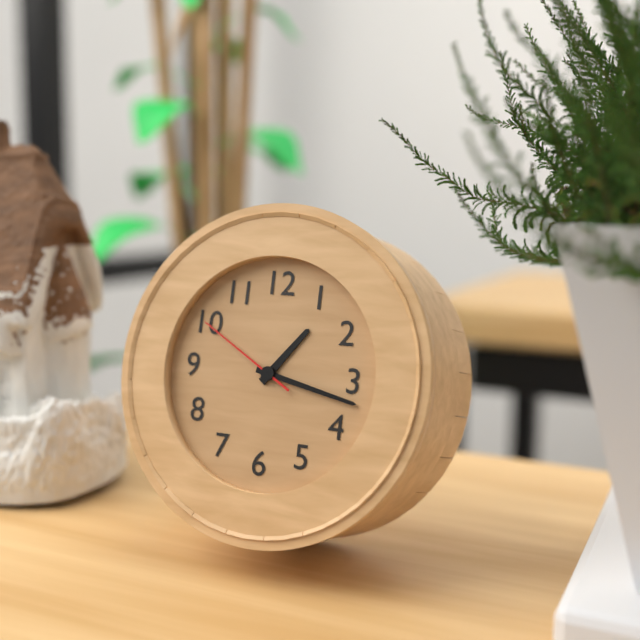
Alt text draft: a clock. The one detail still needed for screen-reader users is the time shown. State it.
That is 1:17:50
